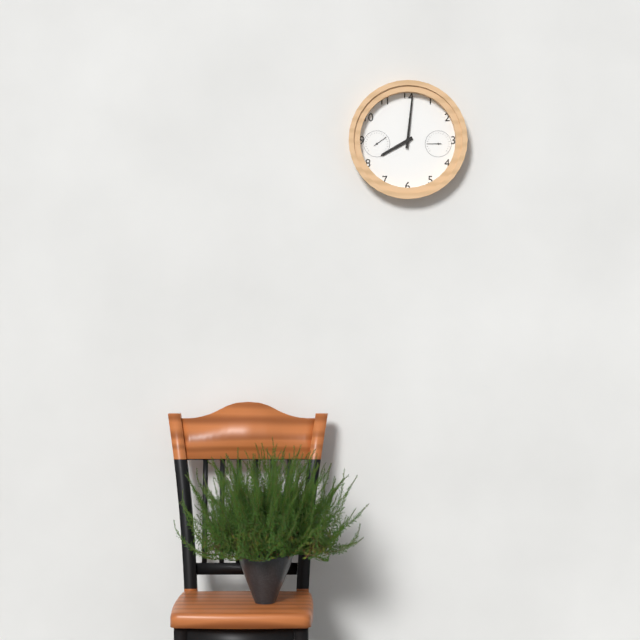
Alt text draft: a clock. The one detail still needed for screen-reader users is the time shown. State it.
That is 8:01
